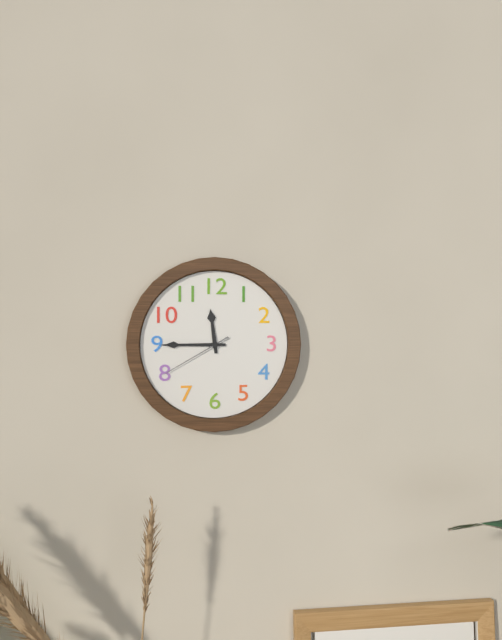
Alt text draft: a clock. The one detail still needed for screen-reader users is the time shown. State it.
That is 11:45:40
